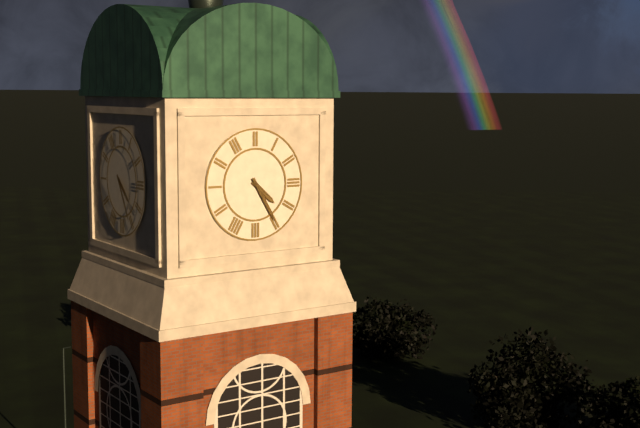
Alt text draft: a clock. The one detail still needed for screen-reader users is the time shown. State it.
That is 4:25
